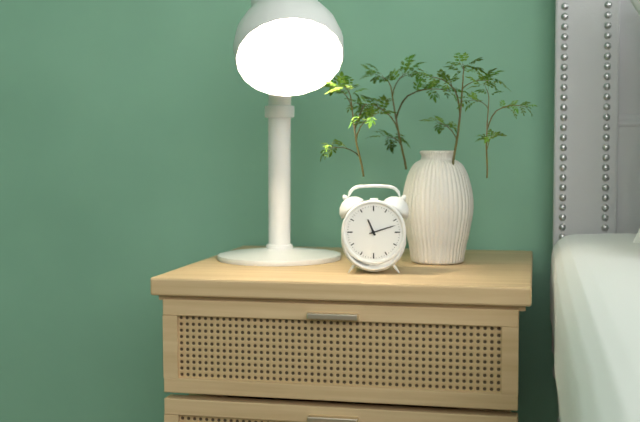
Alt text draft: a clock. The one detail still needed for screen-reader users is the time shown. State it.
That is 11:12
